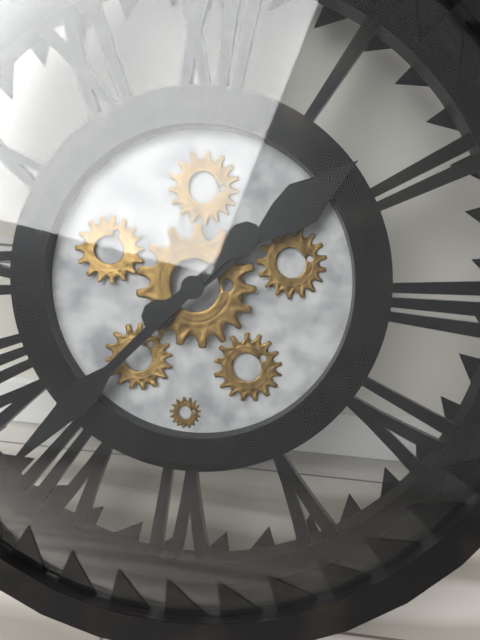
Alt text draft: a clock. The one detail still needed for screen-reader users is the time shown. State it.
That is 1:37
